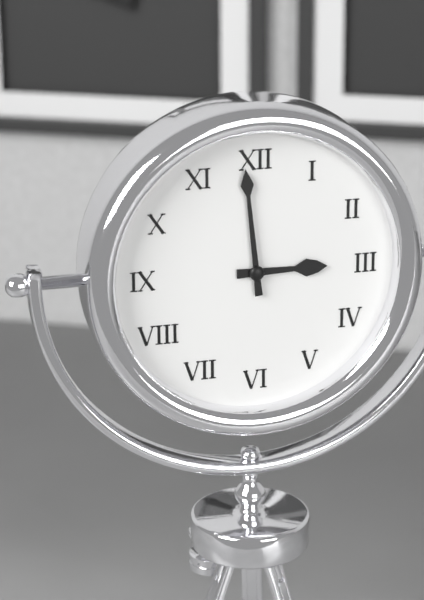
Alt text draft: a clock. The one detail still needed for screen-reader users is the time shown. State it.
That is 2:59
